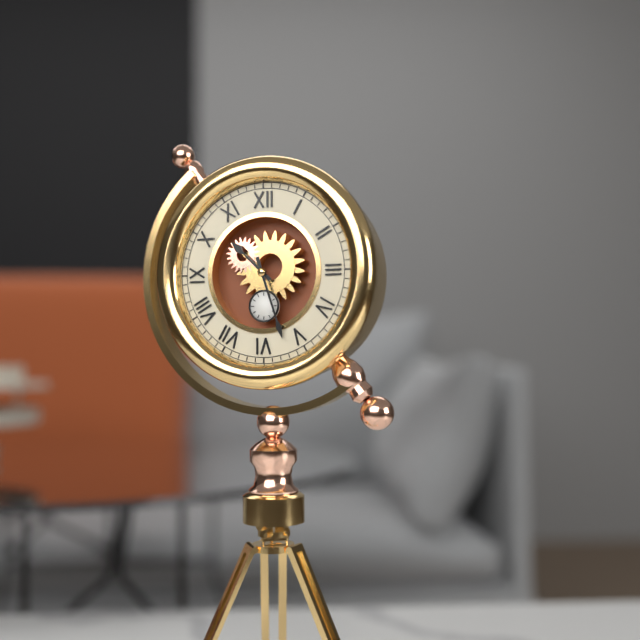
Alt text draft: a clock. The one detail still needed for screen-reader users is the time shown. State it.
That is 10:27
